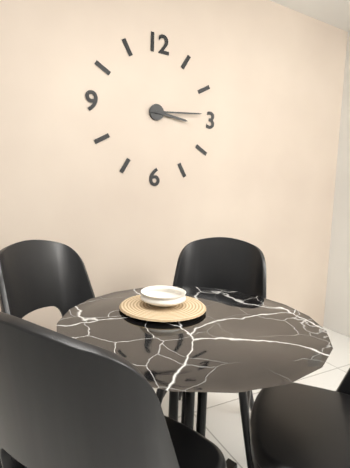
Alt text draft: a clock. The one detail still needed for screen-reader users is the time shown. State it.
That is 3:14
